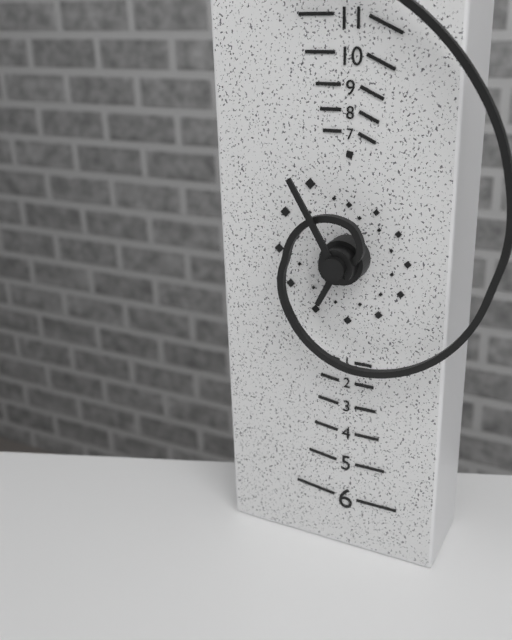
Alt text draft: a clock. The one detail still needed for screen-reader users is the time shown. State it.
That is 6:55
